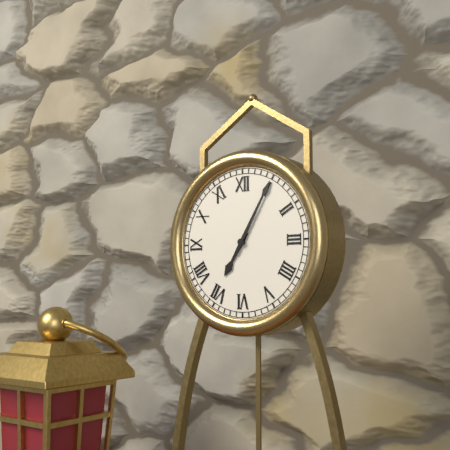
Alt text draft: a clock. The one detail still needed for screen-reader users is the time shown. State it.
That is 7:05
